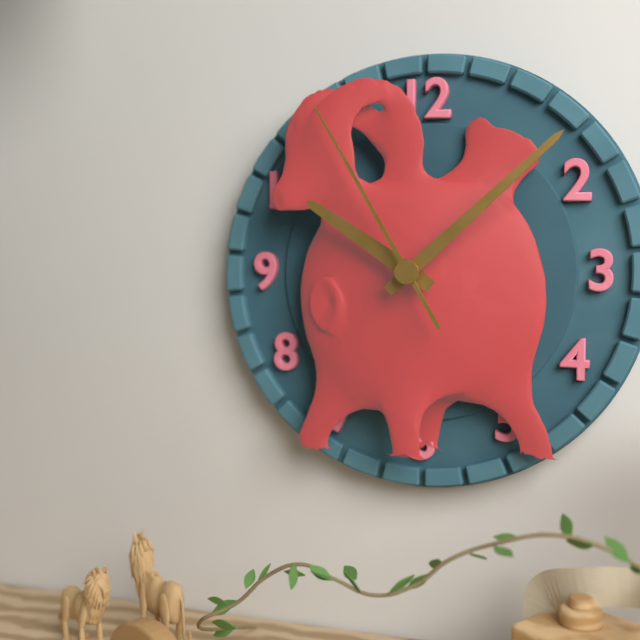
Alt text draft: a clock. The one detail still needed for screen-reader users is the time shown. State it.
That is 10:08:55
